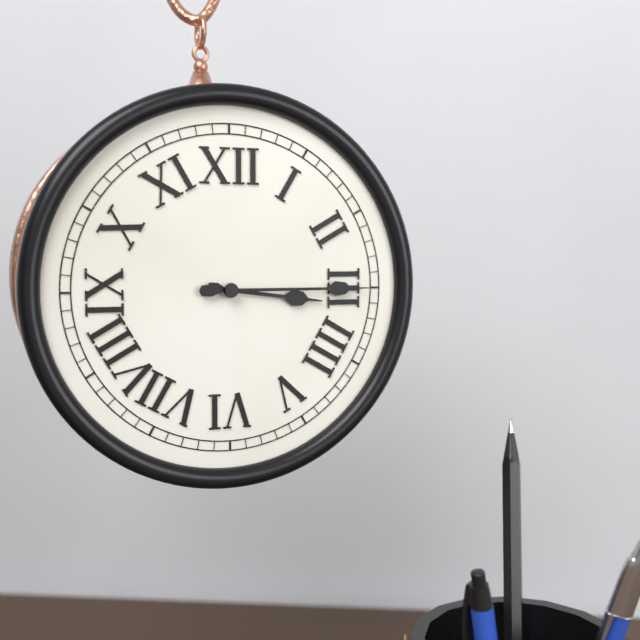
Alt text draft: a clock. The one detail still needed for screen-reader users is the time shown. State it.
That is 3:15
